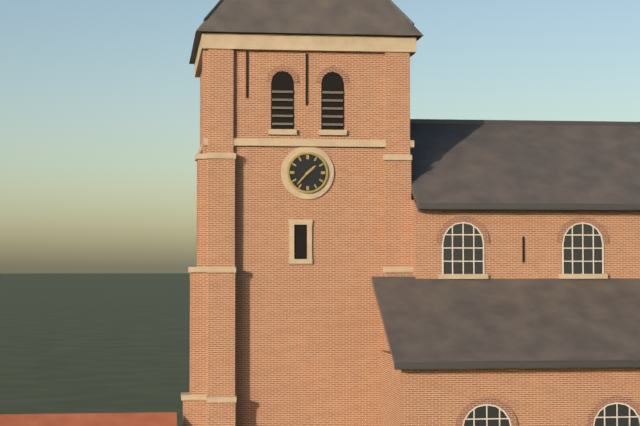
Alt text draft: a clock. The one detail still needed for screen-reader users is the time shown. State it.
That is 1:37
